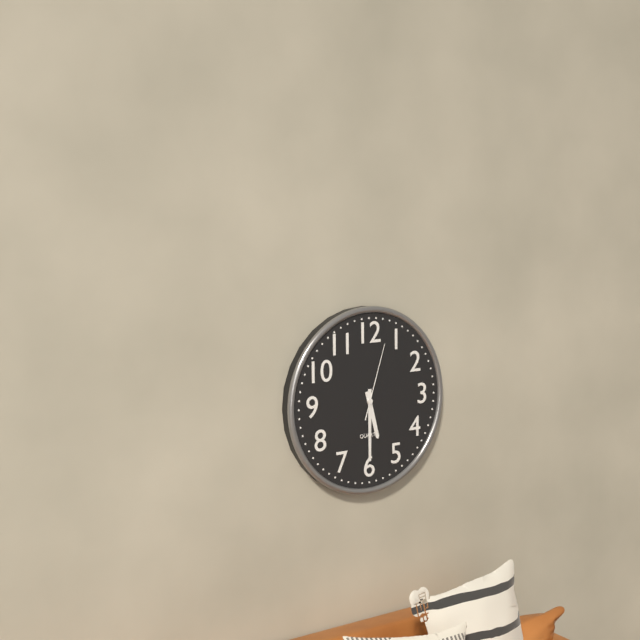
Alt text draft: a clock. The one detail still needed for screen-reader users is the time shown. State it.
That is 5:30:03
